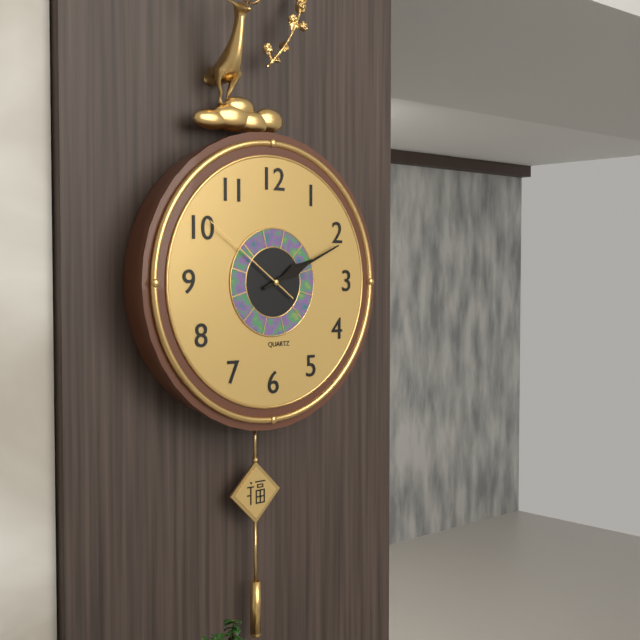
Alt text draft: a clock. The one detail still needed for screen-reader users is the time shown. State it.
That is 2:11:51
